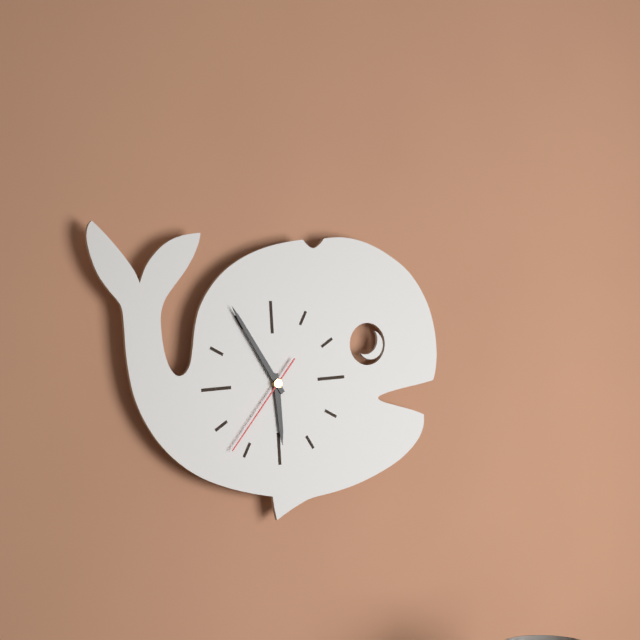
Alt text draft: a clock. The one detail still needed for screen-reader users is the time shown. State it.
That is 5:55:37
